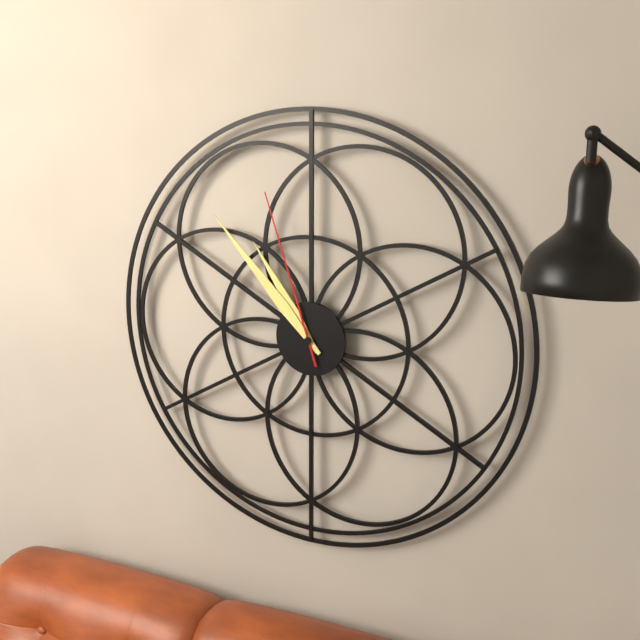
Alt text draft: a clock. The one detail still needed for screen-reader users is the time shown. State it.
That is 10:53:57
